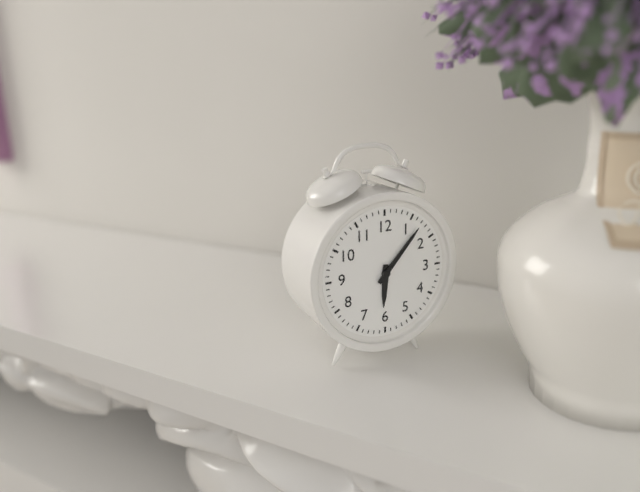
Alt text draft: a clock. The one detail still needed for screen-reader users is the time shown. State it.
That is 6:07
